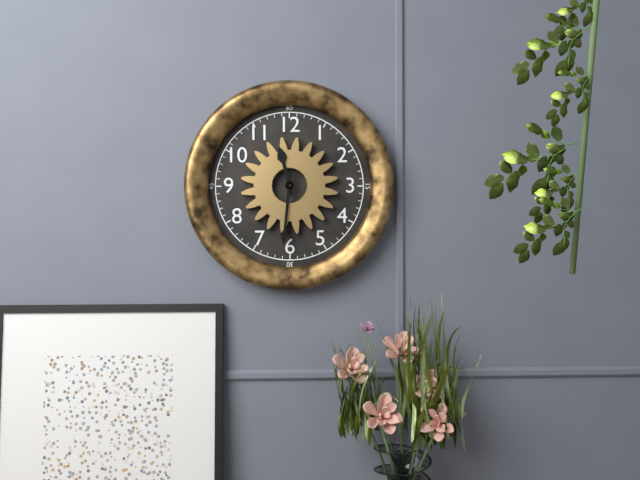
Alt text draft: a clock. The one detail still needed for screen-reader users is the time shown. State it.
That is 11:31
